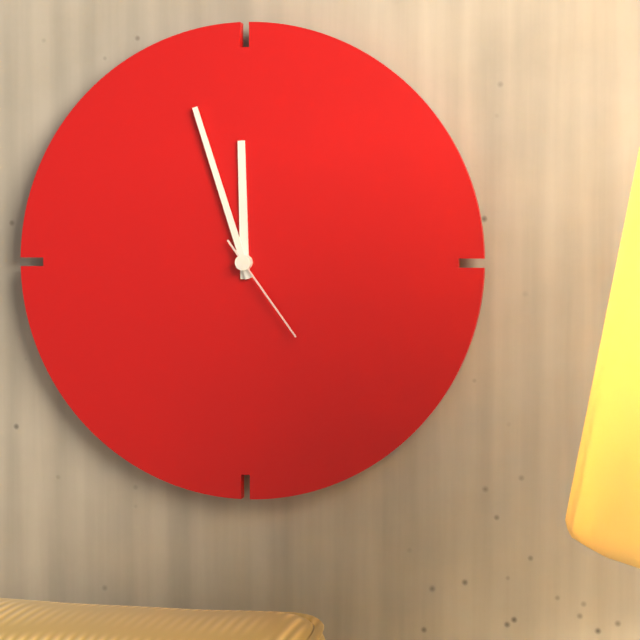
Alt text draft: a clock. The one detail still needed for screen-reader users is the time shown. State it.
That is 11:57:24
